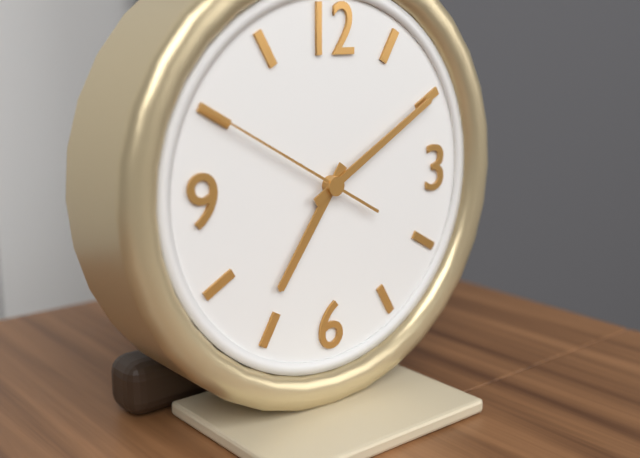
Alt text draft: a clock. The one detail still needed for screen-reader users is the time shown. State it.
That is 7:10:50
